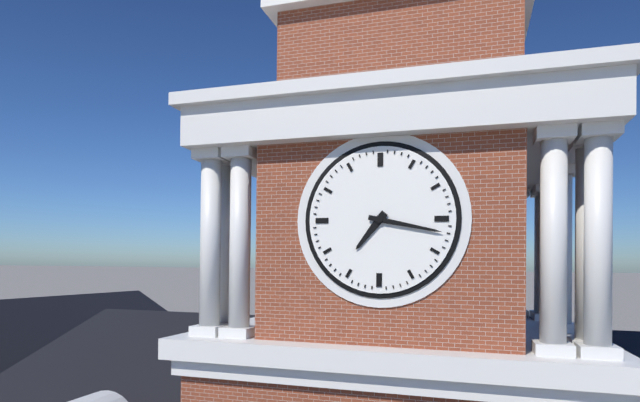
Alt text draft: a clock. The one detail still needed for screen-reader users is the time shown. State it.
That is 7:17
